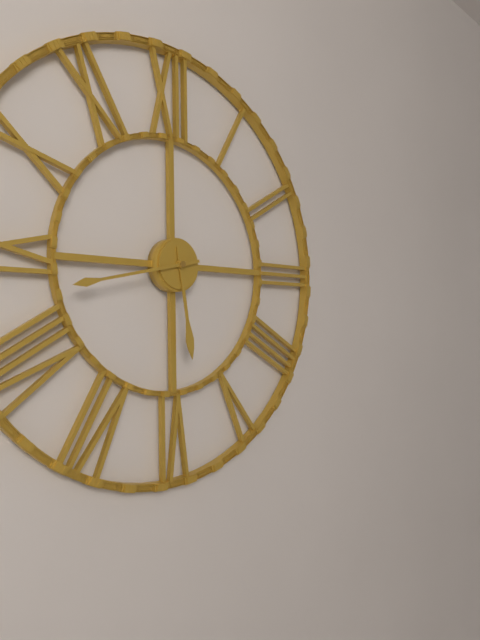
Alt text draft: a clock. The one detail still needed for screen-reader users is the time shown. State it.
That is 5:43
